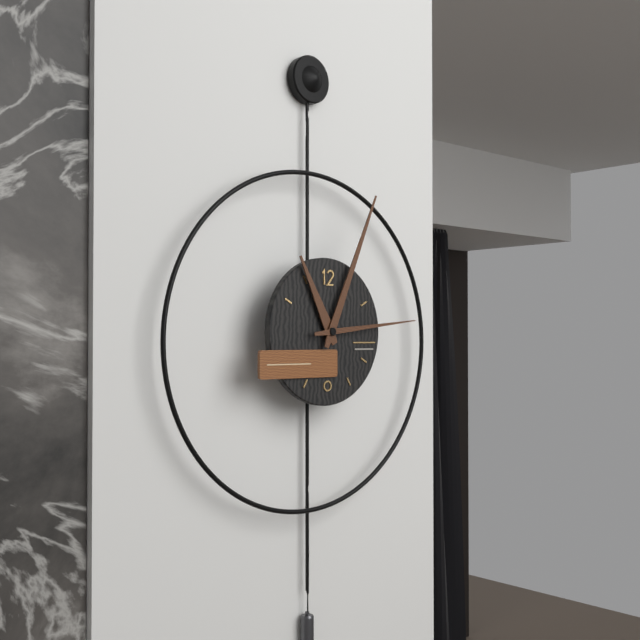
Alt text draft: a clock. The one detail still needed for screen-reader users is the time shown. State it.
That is 11:04:14
